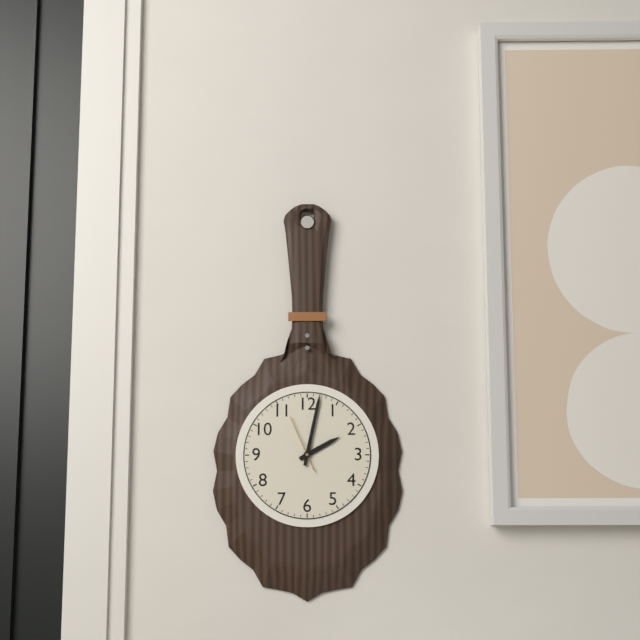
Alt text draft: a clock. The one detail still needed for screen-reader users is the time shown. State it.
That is 2:02:56
